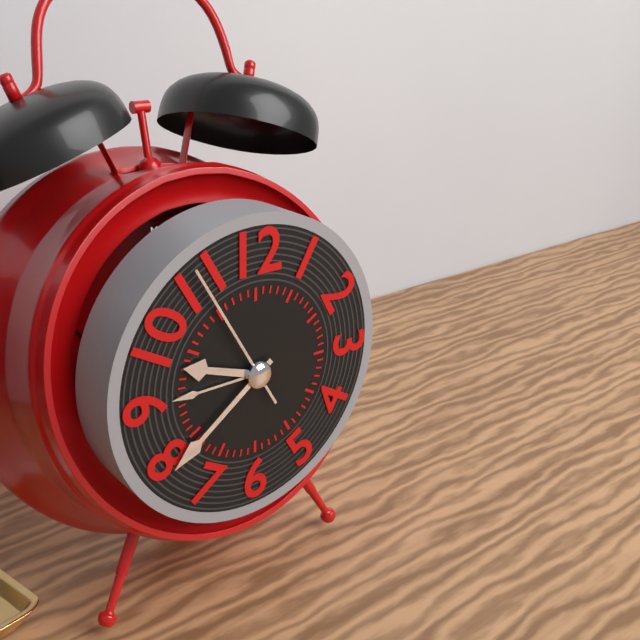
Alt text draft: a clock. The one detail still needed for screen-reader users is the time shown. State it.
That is 9:39:55
